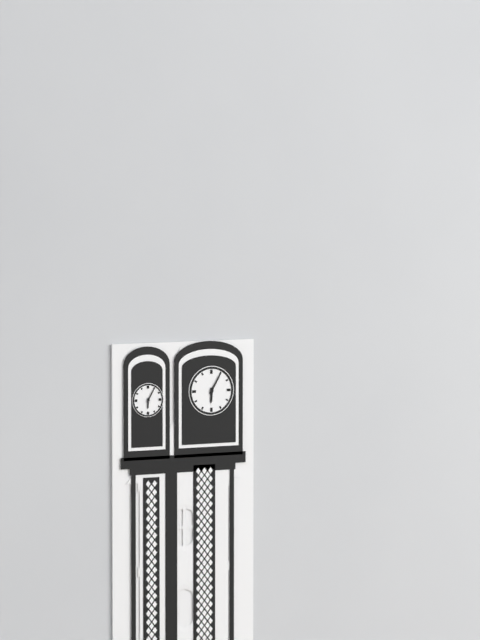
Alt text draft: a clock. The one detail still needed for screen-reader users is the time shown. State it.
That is 6:05
